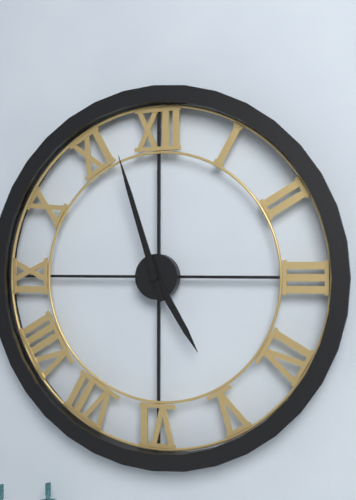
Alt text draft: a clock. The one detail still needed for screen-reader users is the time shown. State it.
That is 4:57
